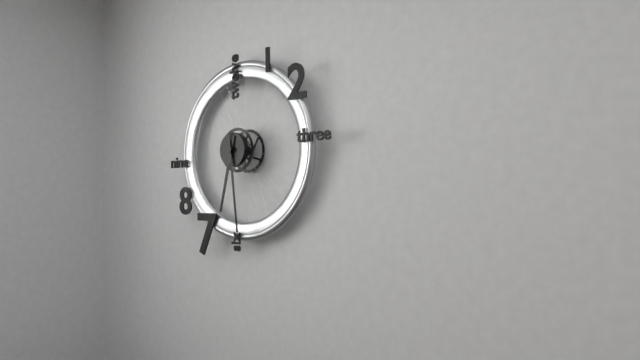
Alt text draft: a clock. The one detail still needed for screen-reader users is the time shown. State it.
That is 6:29
